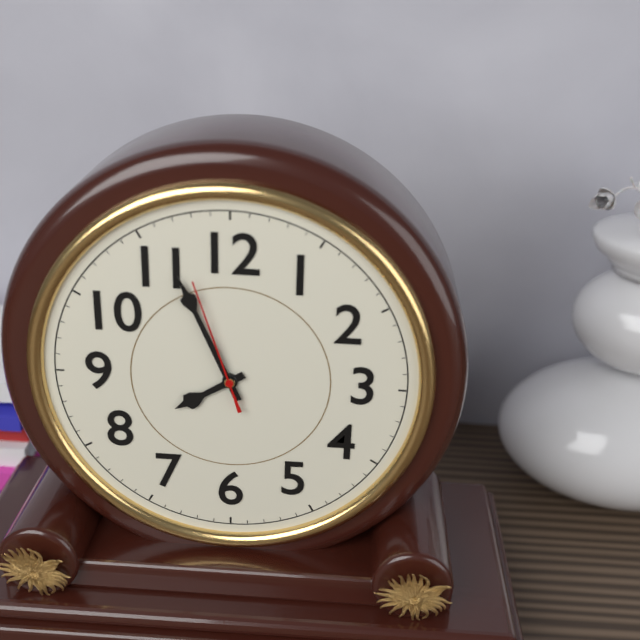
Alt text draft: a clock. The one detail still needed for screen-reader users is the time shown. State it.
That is 7:56:57
